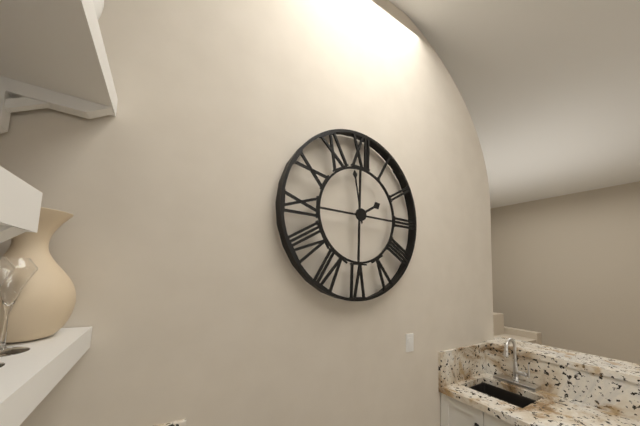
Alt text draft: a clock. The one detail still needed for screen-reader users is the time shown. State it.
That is 1:58
